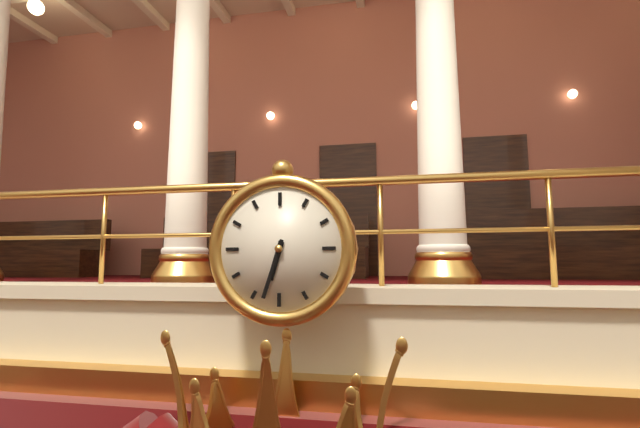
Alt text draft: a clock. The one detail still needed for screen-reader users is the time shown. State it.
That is 6:33
